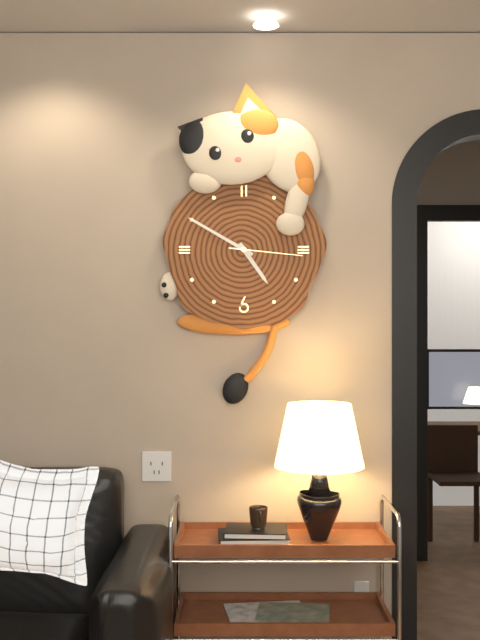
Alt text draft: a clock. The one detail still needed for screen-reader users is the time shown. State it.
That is 4:50:16
